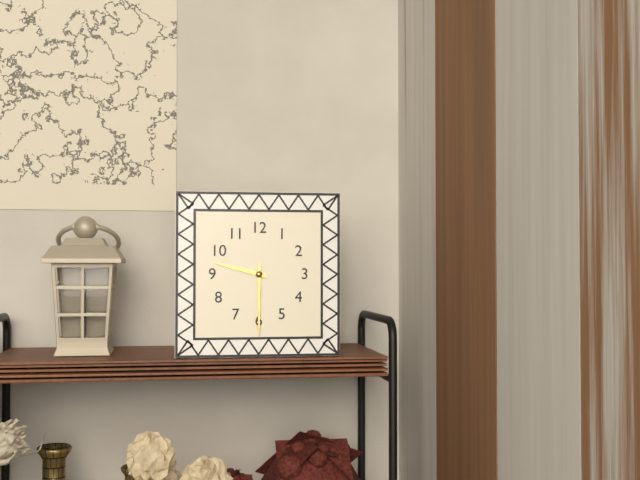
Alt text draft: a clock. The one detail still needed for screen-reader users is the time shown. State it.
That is 9:30
